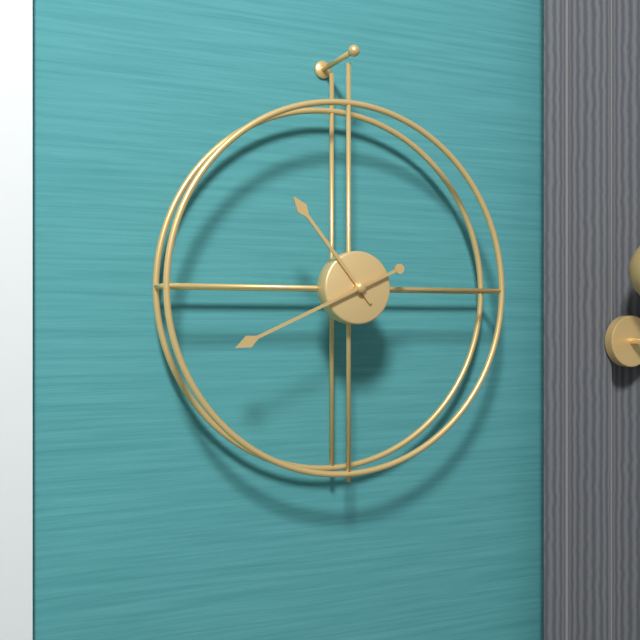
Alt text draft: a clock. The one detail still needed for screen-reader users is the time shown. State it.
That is 10:41
